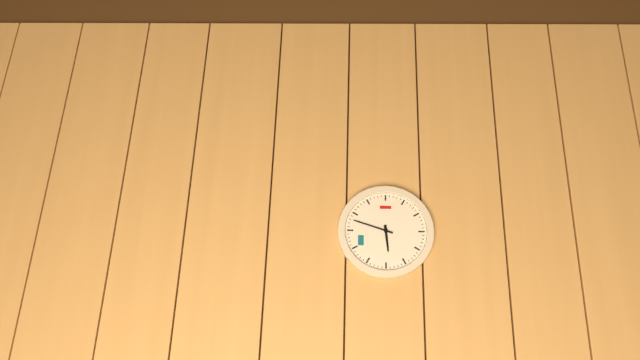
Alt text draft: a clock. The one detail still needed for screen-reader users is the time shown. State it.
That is 5:48
